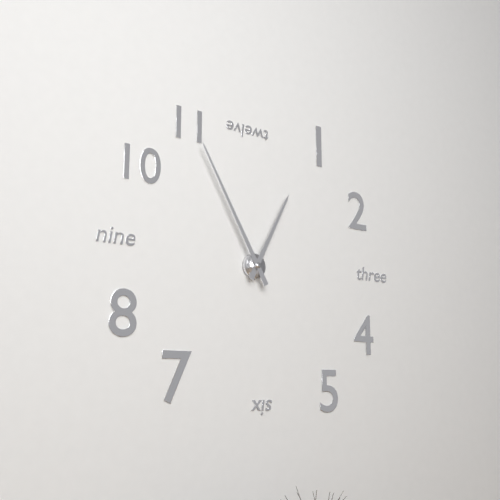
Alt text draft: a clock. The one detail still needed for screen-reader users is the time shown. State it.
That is 12:55
